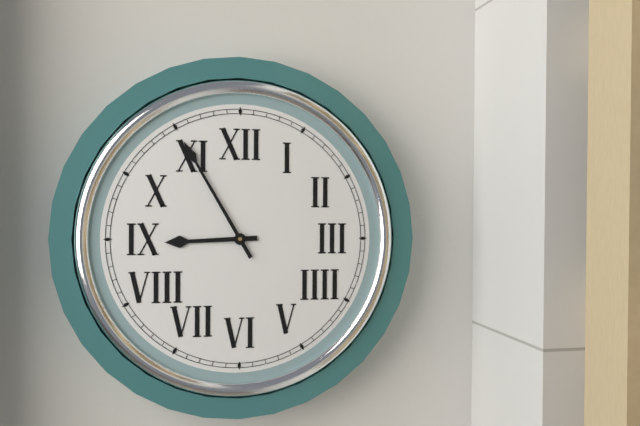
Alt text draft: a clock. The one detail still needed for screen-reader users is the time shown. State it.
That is 8:55
